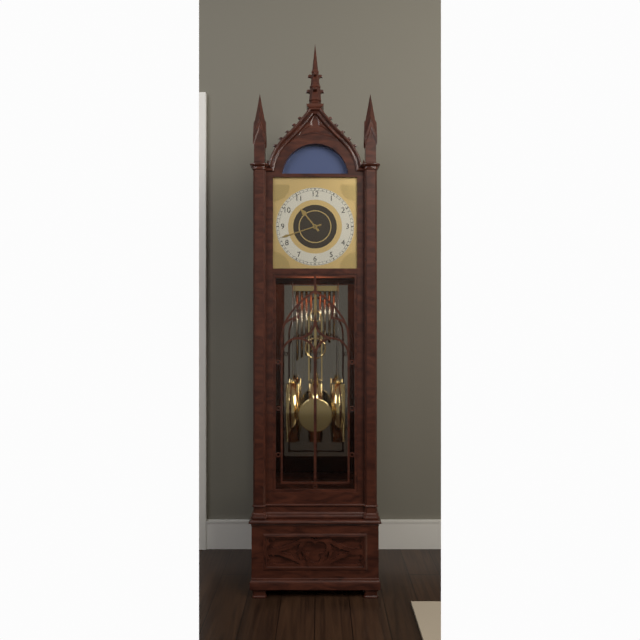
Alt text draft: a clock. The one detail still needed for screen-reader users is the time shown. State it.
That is 10:42
